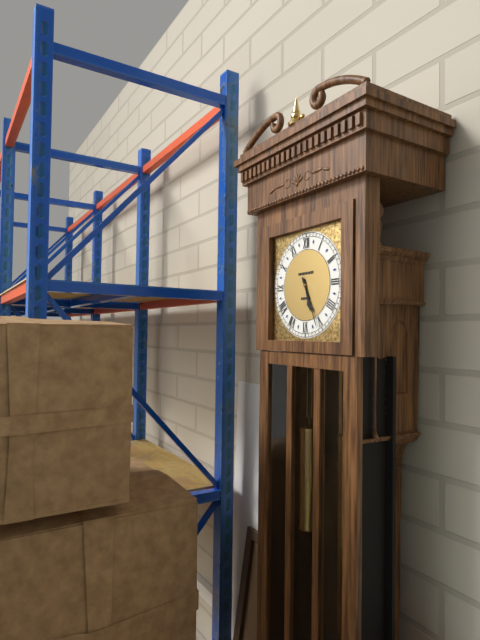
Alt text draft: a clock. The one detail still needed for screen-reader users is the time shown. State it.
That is 5:26
